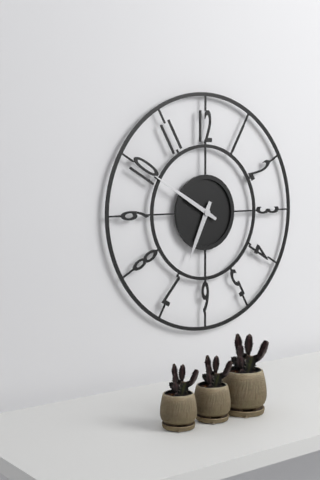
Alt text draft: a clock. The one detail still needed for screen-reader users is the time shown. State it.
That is 6:50
